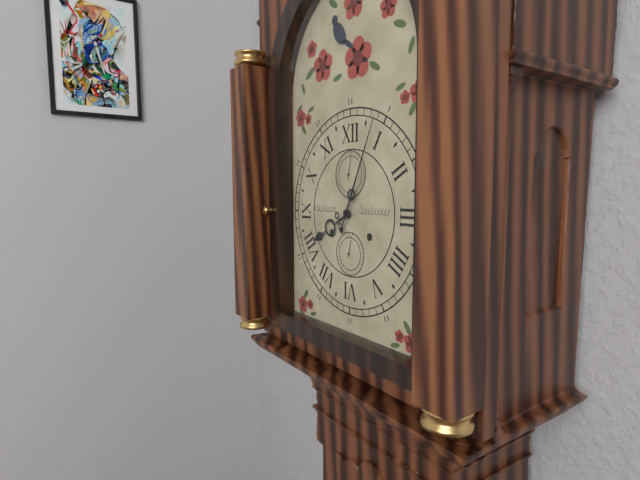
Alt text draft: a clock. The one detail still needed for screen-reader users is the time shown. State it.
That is 8:04
